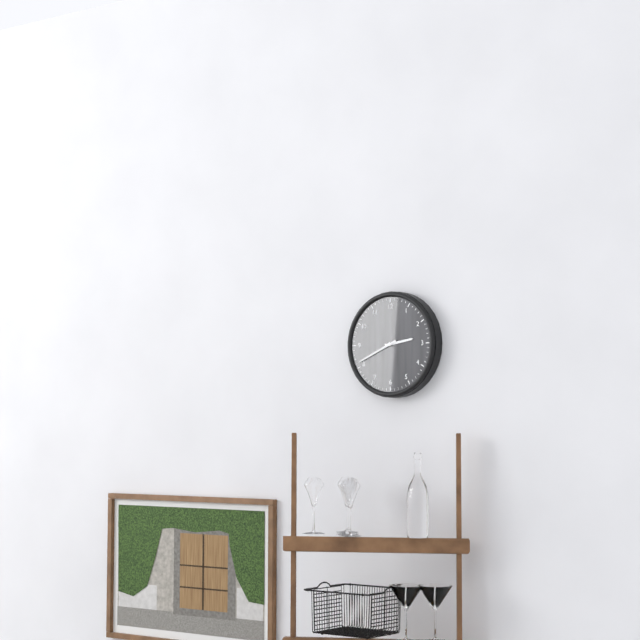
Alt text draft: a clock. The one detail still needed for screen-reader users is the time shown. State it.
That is 2:41
